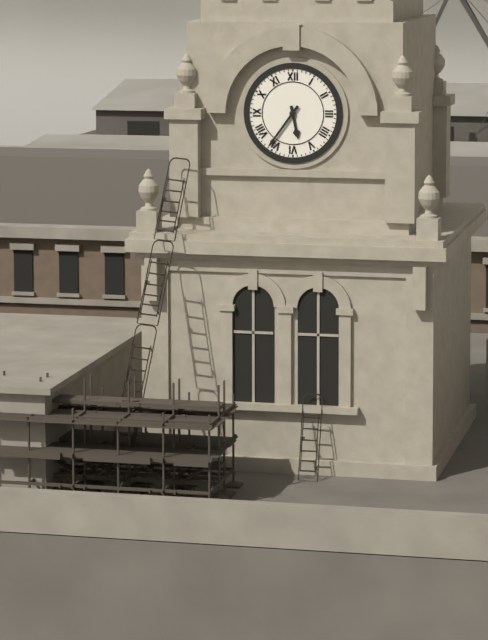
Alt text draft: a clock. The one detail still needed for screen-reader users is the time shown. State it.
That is 5:36
